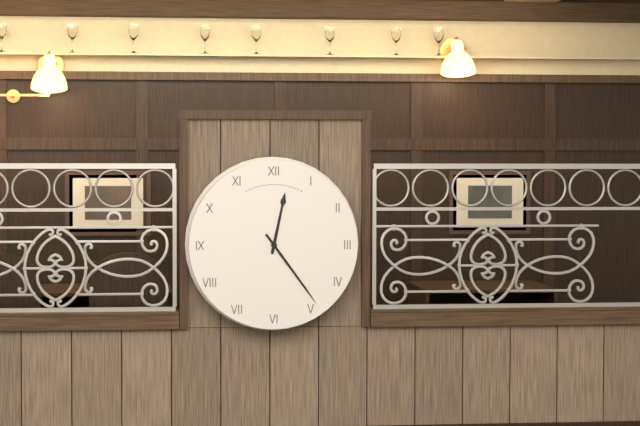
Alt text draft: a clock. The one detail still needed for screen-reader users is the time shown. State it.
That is 12:24
